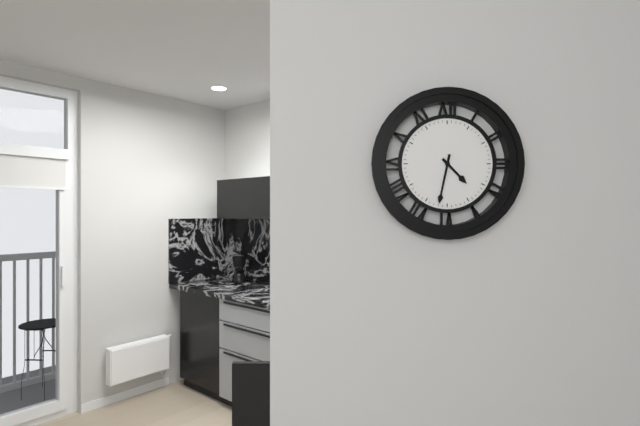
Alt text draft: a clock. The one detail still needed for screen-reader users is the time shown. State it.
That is 4:32
